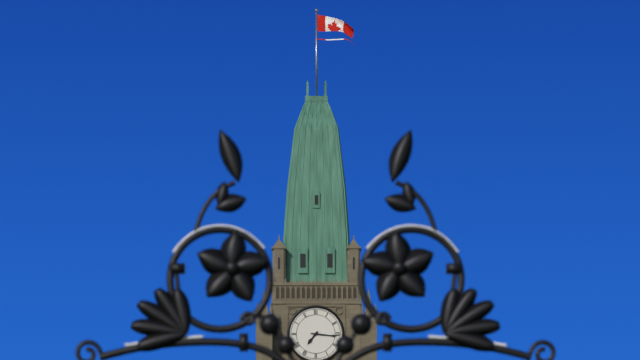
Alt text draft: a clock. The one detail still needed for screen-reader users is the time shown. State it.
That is 7:16
